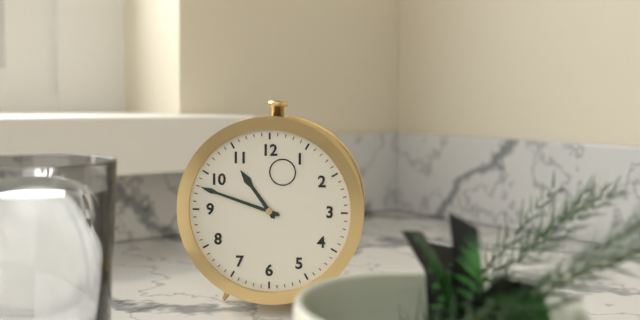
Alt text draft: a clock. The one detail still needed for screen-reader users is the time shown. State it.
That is 10:48
